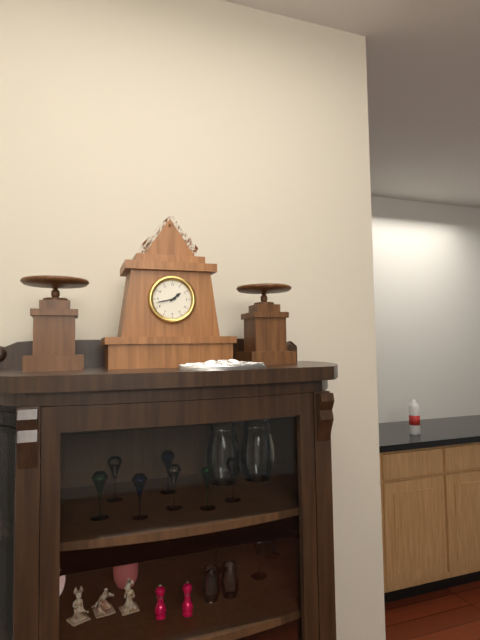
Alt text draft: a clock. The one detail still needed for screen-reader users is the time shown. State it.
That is 1:43
